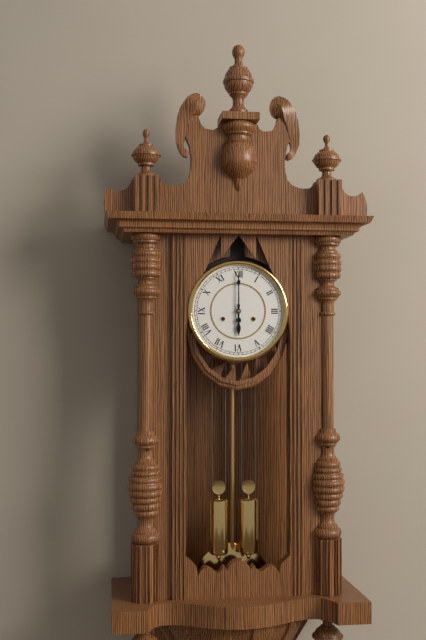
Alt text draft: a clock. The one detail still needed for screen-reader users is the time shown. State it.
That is 6:00
